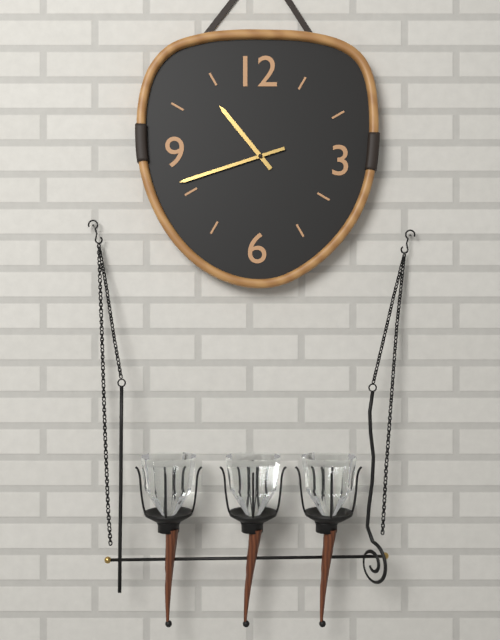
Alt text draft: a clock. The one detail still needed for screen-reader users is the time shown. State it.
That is 10:42
